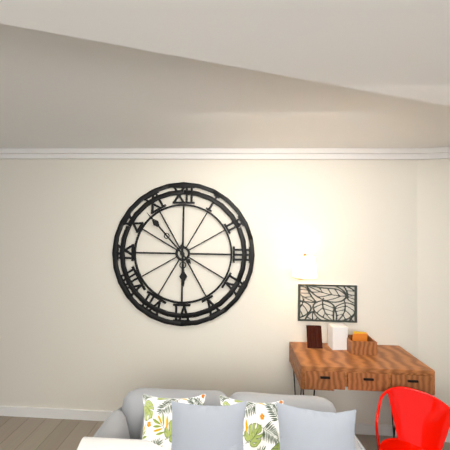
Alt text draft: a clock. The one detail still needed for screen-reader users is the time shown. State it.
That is 5:53
